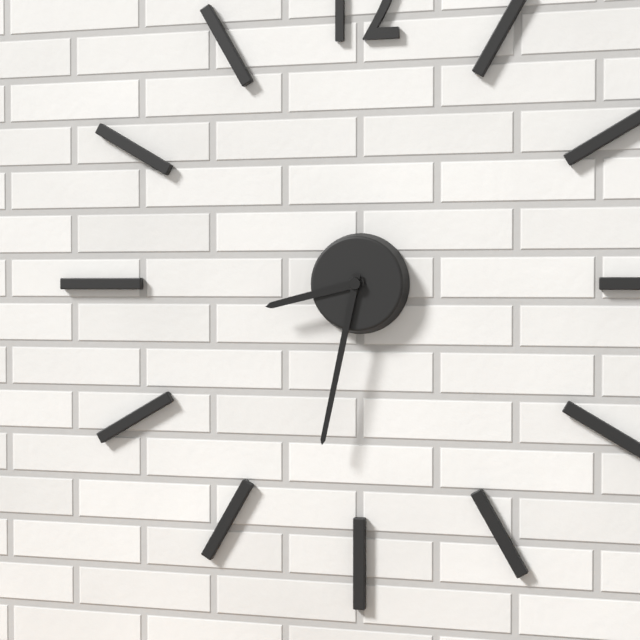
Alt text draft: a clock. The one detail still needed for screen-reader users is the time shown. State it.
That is 8:32
